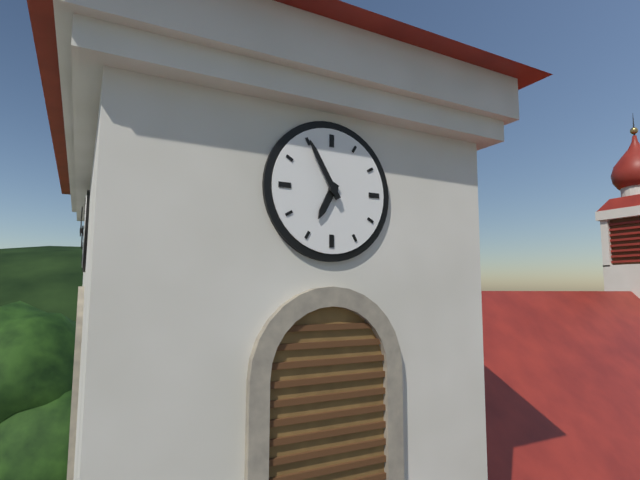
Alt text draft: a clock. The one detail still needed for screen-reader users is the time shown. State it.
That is 6:55
